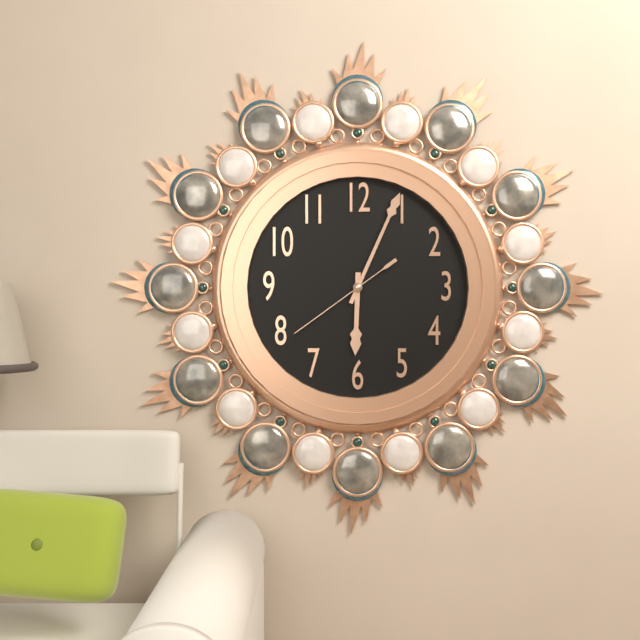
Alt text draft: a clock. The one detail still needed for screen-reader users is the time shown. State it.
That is 6:04:39
